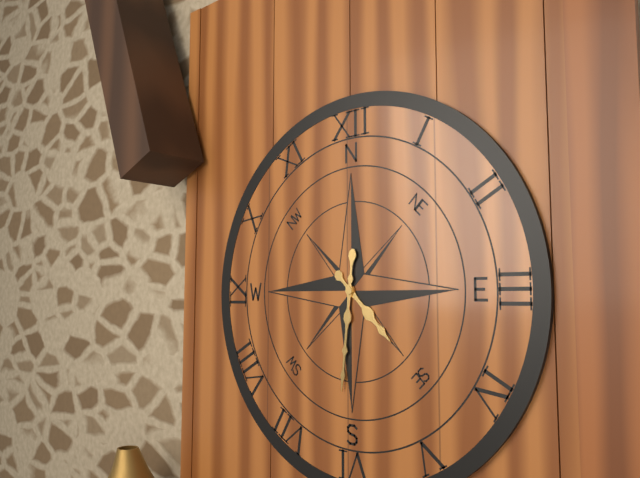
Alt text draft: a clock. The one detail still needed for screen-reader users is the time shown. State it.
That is 4:31
